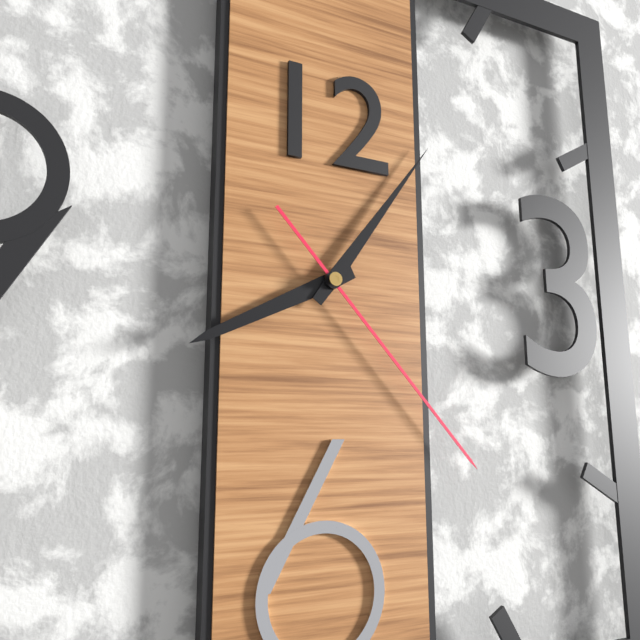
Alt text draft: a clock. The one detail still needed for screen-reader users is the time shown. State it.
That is 8:06:23
